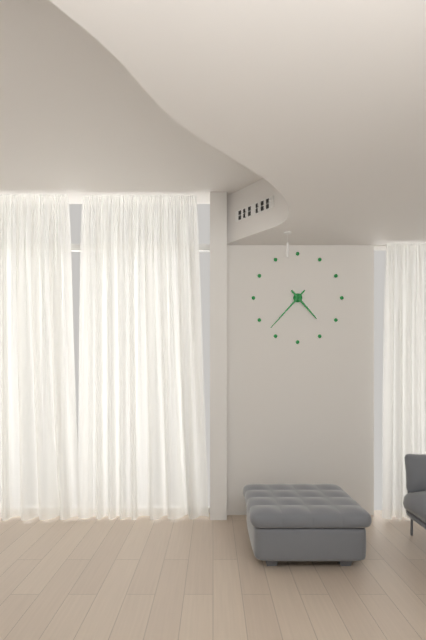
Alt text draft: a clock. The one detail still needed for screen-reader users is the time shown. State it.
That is 4:37
